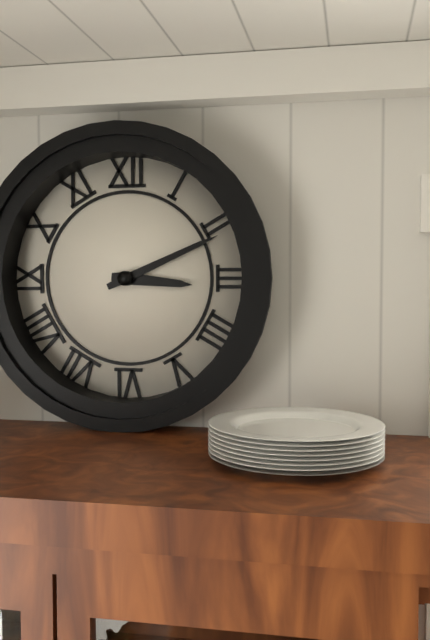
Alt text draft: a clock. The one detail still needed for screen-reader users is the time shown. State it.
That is 3:11
